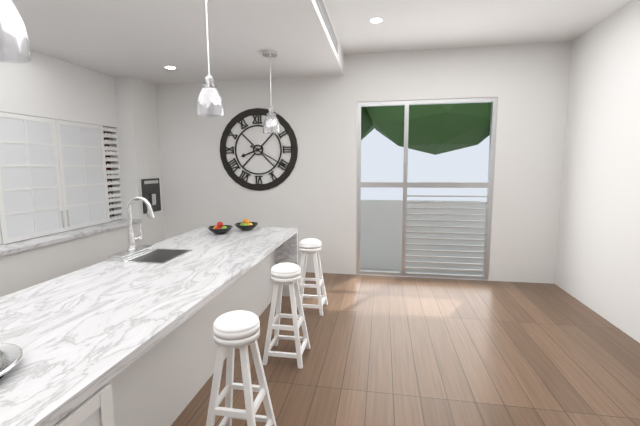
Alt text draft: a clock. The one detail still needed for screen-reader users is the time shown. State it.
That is 8:20
